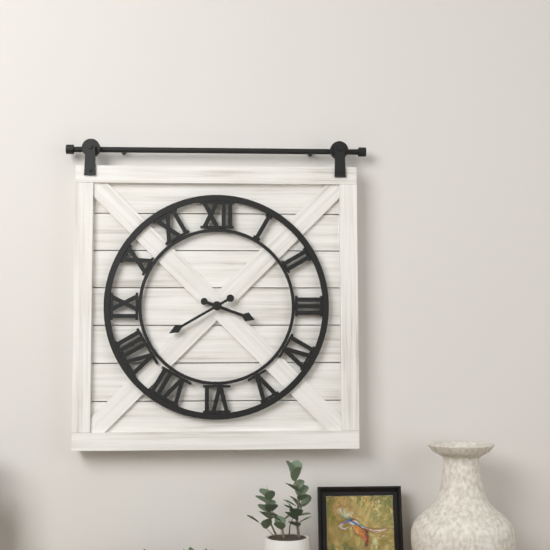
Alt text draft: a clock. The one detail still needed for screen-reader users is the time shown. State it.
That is 3:40
